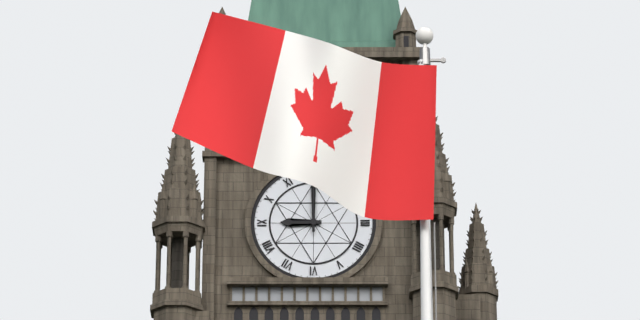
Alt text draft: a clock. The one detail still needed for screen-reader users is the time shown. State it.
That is 9:00
